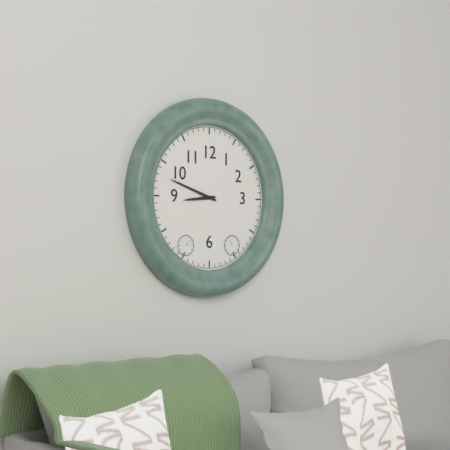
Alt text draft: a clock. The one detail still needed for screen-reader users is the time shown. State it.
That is 8:48
